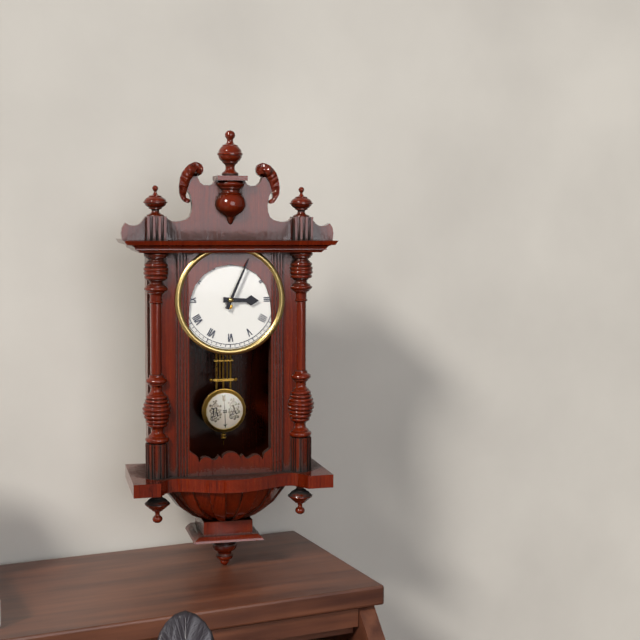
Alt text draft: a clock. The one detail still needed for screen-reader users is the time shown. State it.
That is 3:04
